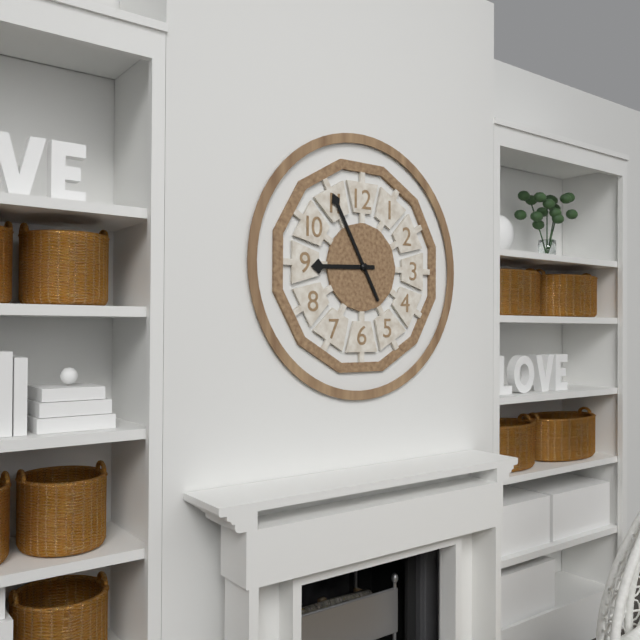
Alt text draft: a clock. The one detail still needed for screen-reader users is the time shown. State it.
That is 8:55
